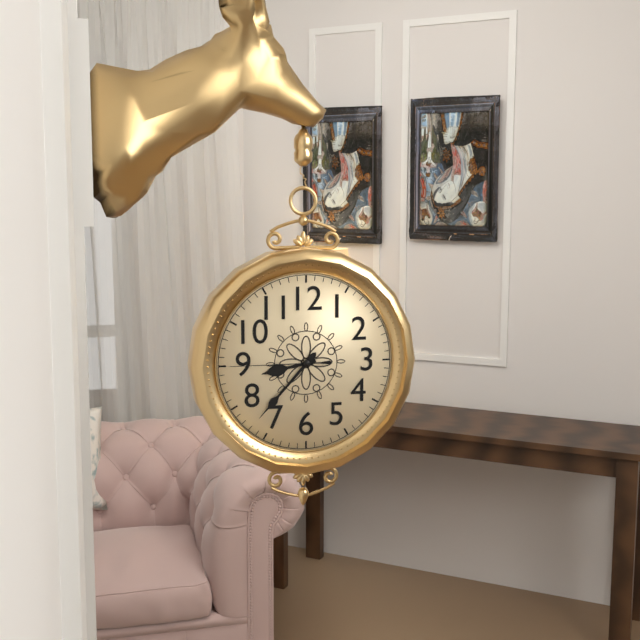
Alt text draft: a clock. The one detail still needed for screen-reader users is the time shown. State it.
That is 8:37:45
